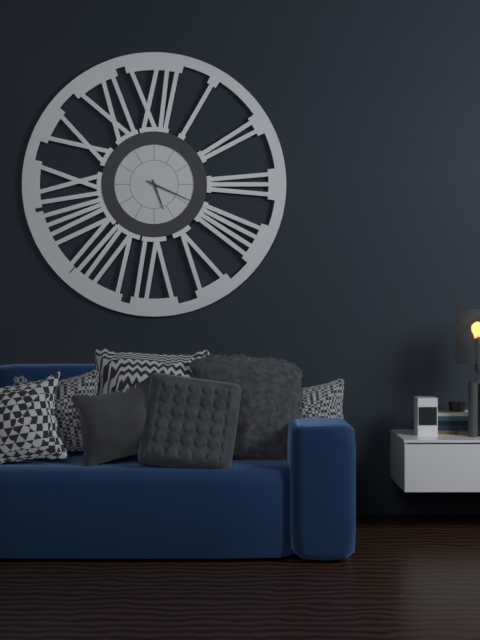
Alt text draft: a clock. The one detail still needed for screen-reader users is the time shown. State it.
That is 5:19
